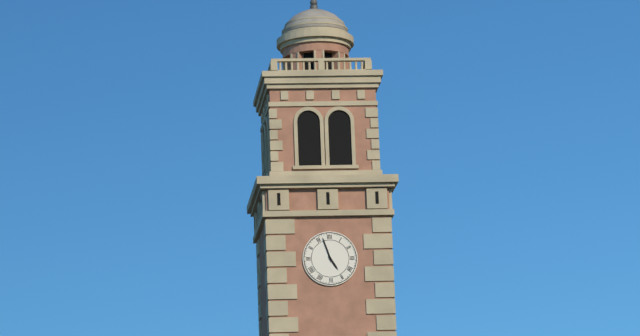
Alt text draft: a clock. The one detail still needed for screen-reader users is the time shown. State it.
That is 4:57
